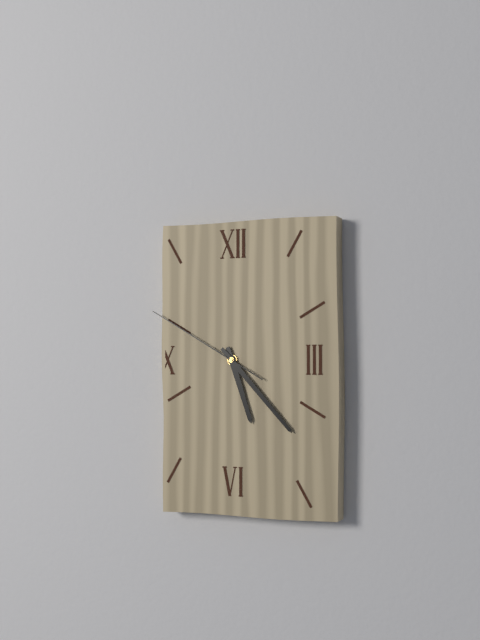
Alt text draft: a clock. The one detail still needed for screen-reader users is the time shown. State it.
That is 5:23:50
